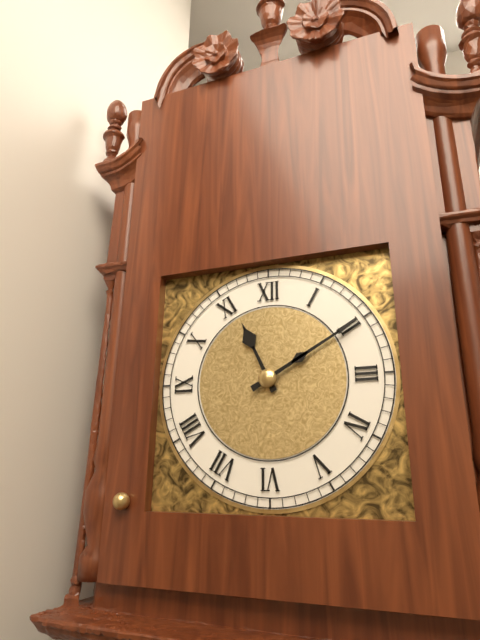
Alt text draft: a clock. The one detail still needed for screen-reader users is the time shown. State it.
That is 11:10
